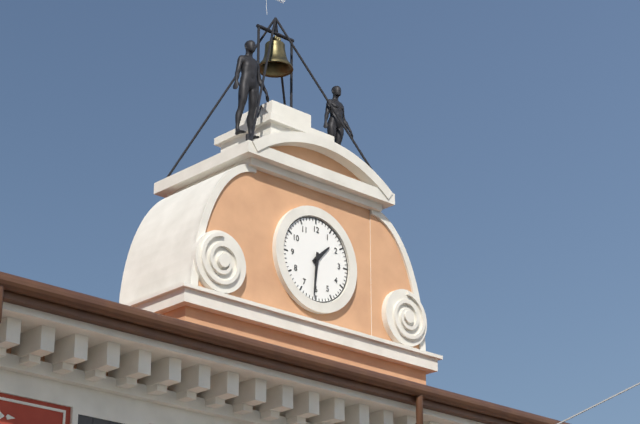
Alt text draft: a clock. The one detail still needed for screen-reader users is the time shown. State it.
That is 1:31
